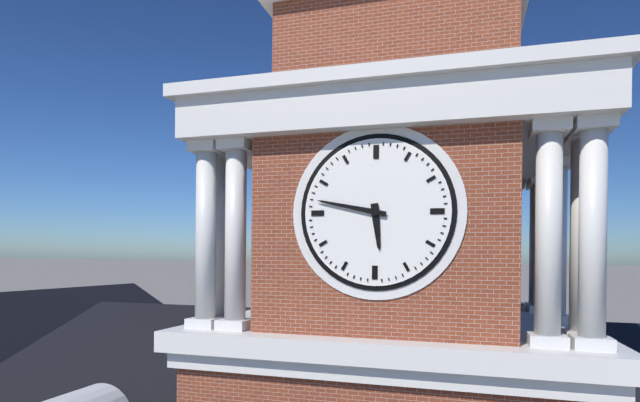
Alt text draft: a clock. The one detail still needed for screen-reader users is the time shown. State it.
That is 5:47
